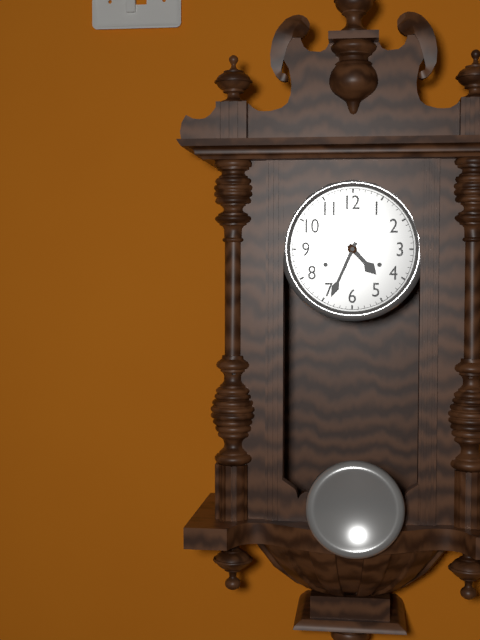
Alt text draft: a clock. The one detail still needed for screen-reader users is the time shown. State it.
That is 4:34
